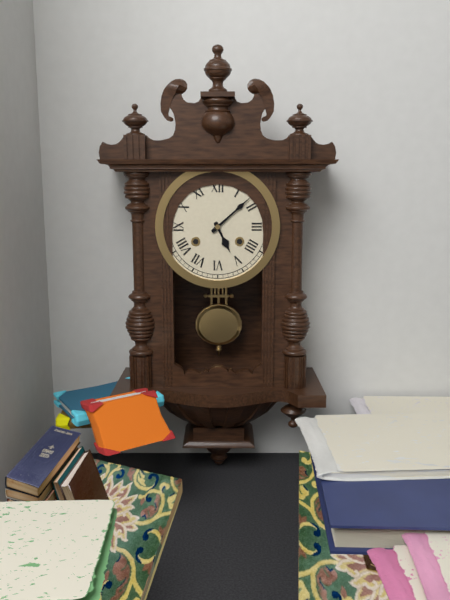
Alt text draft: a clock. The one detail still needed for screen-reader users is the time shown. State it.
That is 5:08
